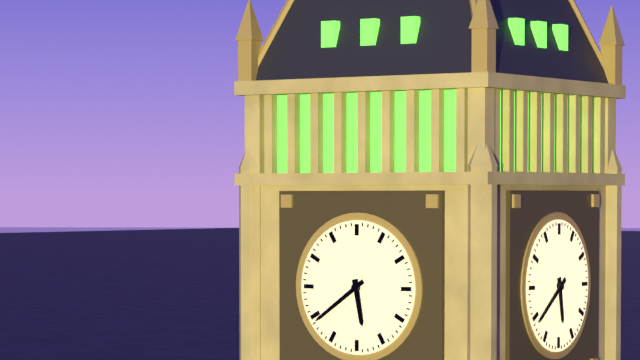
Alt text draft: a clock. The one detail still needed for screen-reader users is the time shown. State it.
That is 5:39
